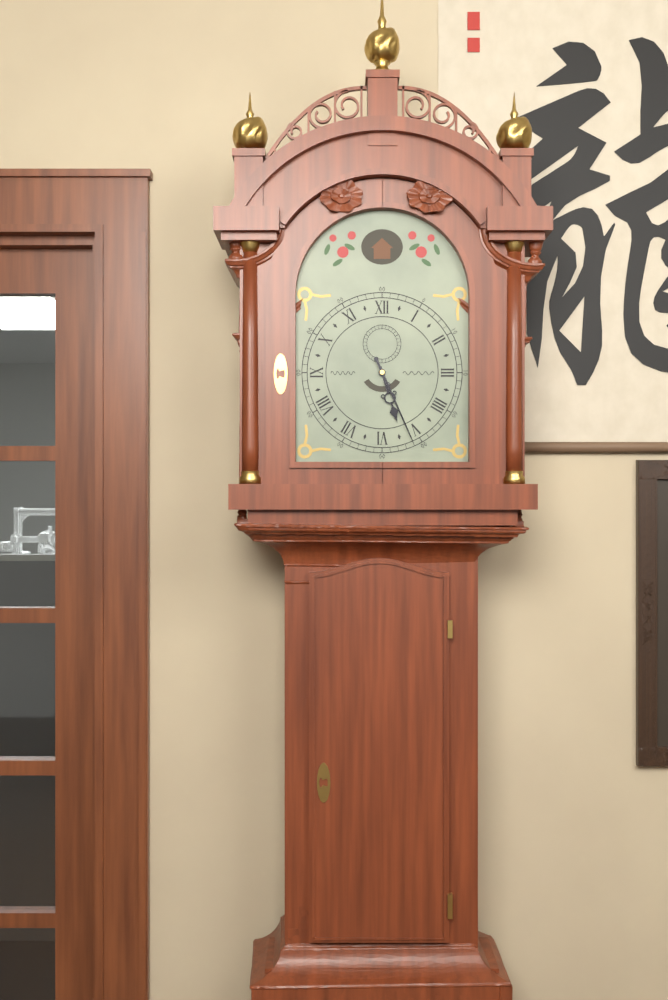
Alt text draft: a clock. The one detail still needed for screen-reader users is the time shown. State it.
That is 5:26
